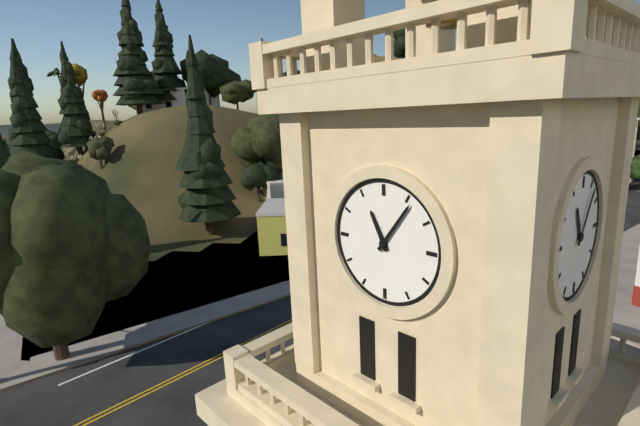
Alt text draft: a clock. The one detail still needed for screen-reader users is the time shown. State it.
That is 11:06
